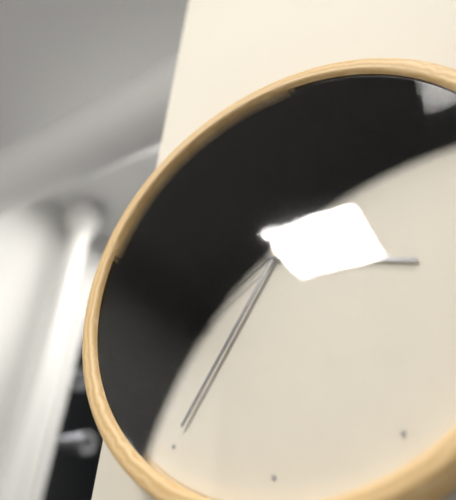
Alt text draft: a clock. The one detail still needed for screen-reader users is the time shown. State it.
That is 3:35:09
